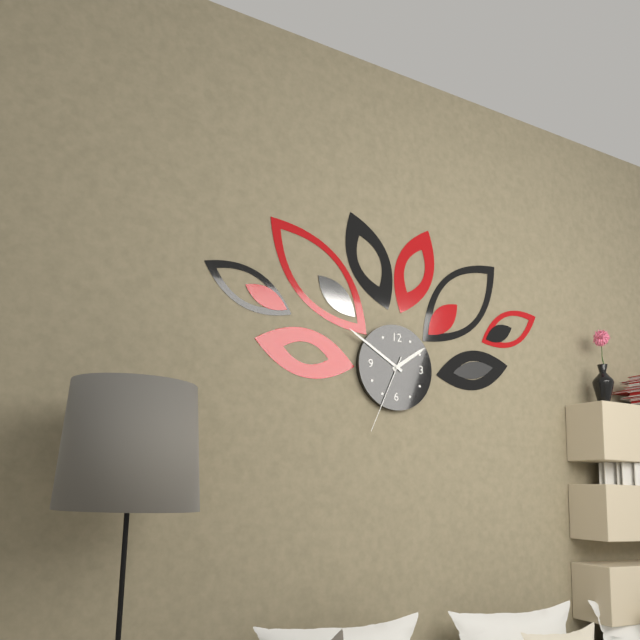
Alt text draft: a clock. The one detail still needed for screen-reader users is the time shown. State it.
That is 1:50:34
